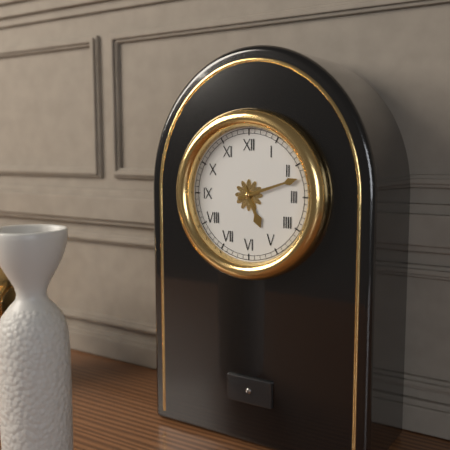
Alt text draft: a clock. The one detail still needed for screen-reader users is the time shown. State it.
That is 5:12
